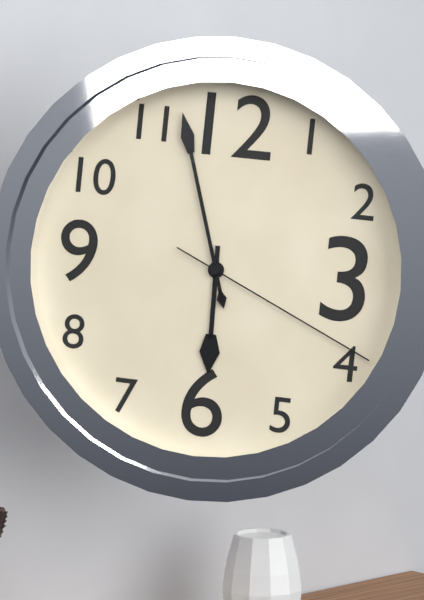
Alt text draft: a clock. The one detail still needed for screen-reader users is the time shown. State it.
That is 5:57:19
